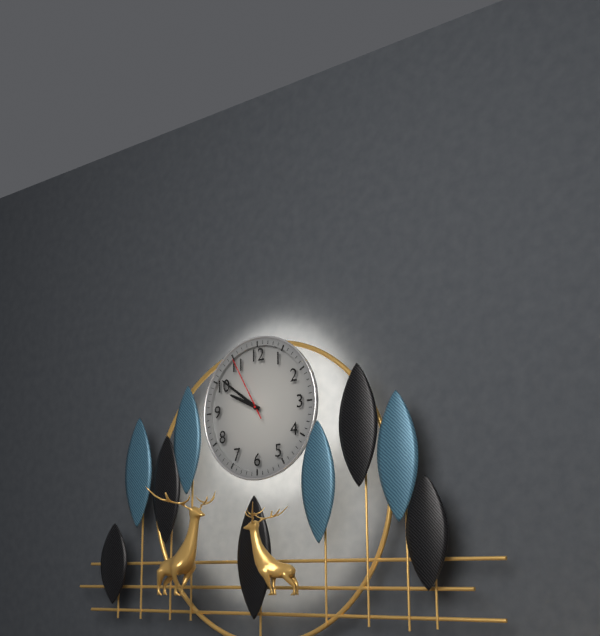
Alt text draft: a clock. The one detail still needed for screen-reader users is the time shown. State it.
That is 9:51:55
